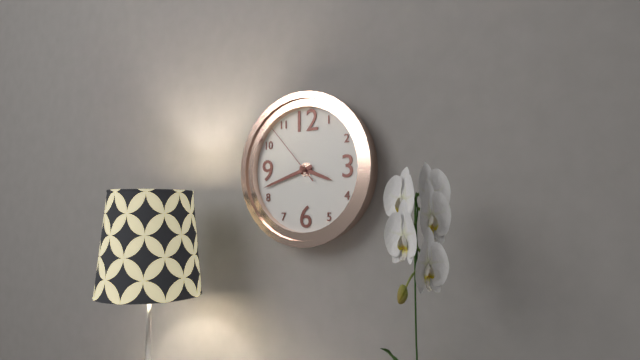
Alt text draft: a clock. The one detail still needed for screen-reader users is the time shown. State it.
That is 3:42:53
